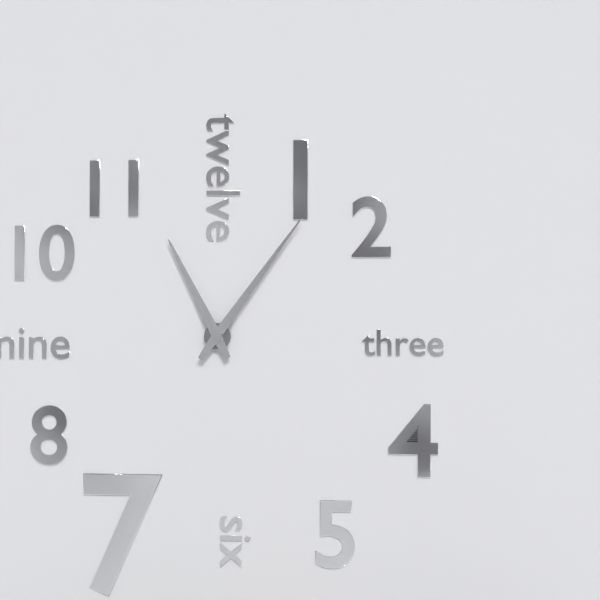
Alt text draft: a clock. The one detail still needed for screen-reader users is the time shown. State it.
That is 11:06
